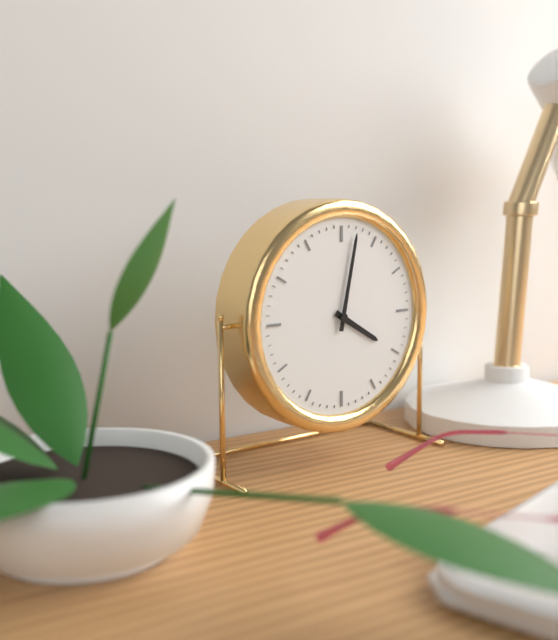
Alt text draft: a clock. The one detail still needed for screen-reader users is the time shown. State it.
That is 4:02
